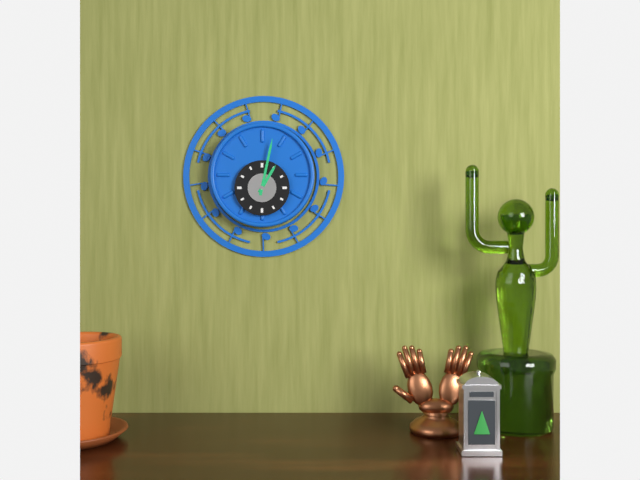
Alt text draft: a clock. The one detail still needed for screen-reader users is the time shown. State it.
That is 1:02
